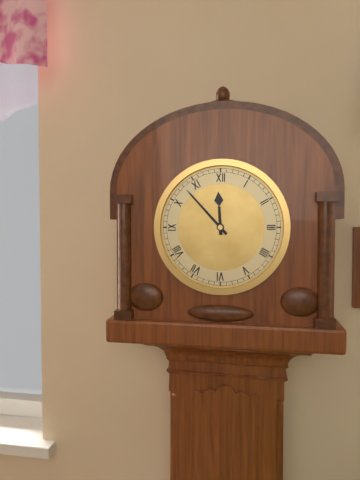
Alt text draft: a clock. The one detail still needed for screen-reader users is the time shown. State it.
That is 11:53
